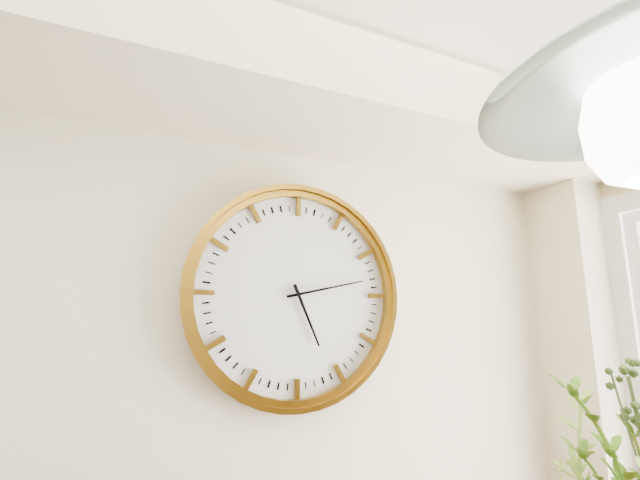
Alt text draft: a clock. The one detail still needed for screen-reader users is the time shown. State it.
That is 5:13
